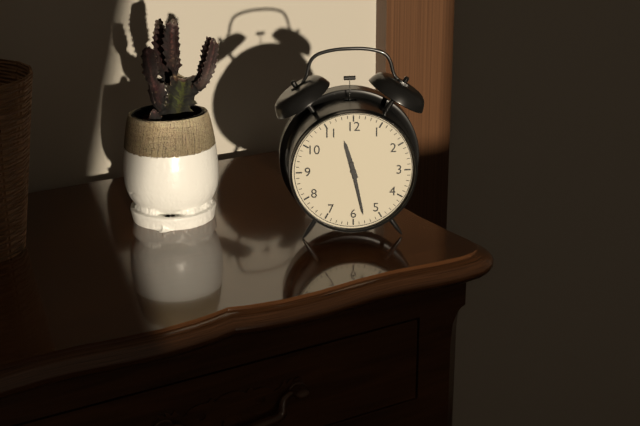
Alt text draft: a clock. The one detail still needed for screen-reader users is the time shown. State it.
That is 11:28
